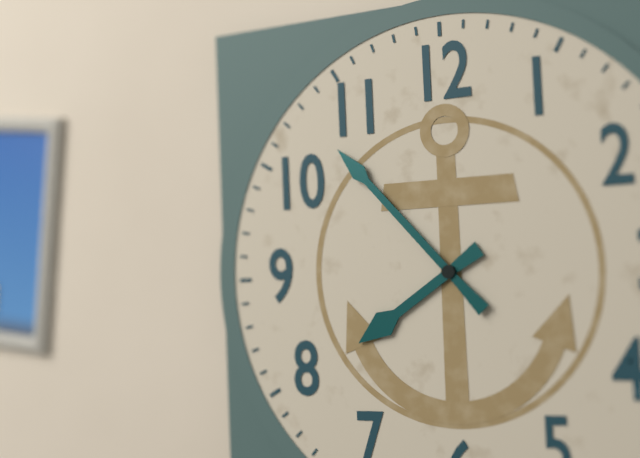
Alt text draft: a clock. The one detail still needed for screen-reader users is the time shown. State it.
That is 7:53
